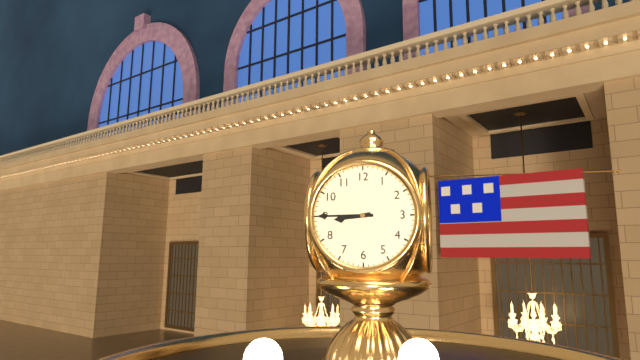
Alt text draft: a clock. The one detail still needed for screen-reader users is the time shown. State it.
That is 8:45
